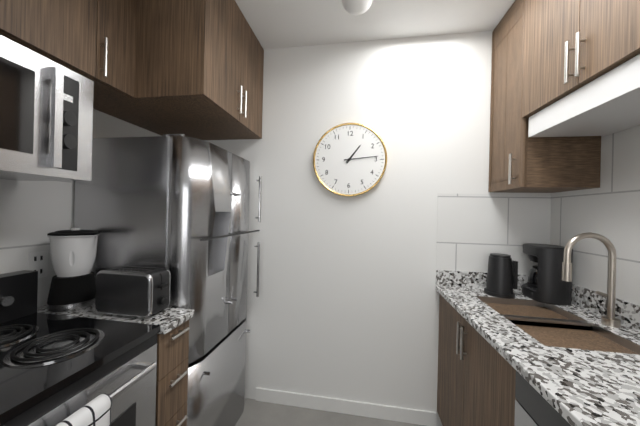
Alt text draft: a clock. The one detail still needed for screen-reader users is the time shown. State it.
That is 1:14
